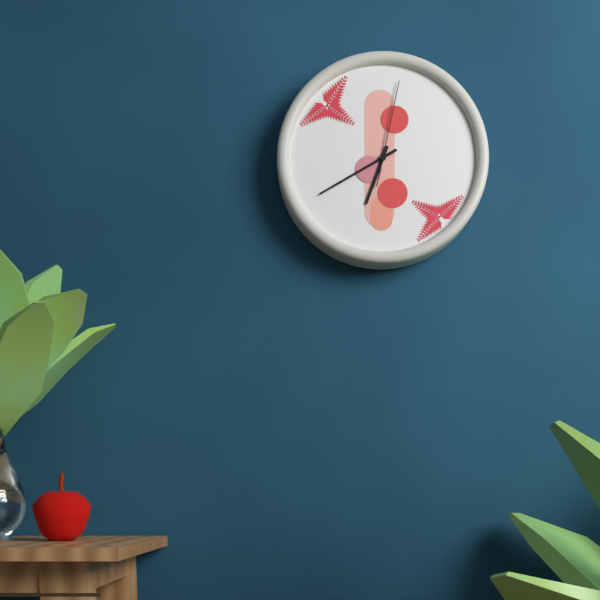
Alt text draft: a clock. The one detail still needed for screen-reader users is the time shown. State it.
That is 6:40:02
